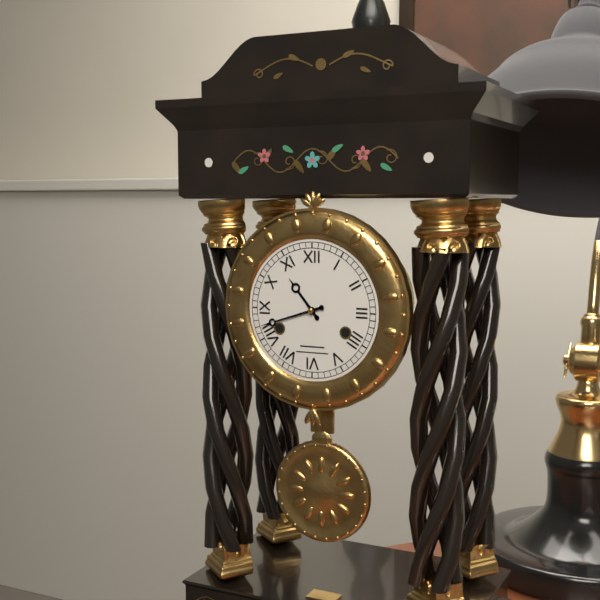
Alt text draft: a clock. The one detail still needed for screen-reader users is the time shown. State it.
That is 10:42
